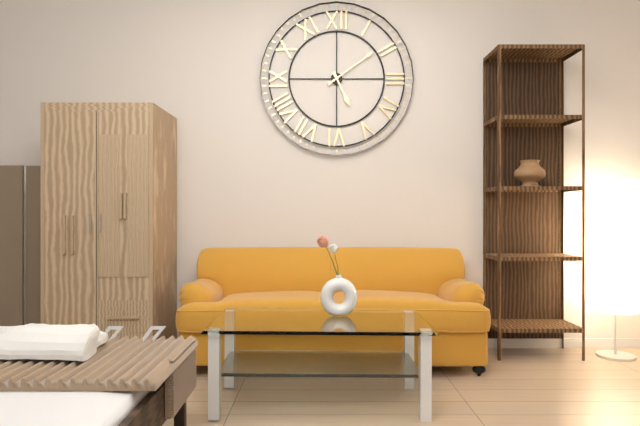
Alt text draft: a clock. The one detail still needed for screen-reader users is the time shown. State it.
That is 5:09
